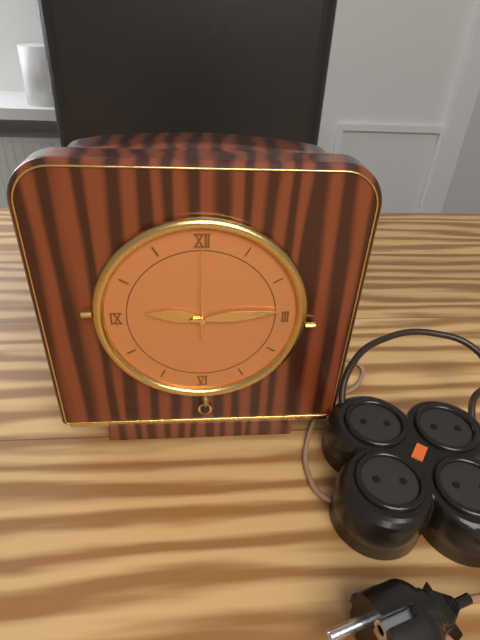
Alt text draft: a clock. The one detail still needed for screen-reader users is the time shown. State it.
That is 9:14:00
